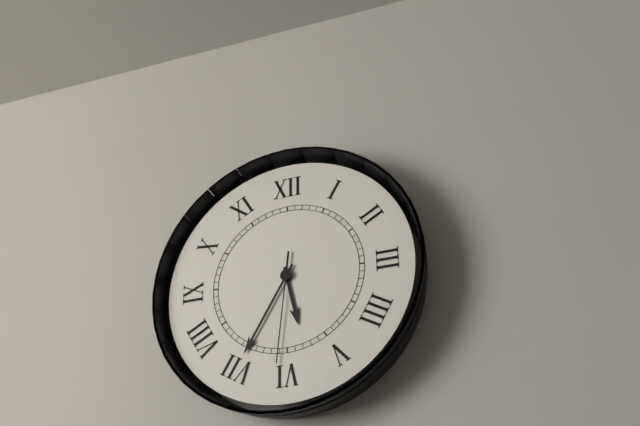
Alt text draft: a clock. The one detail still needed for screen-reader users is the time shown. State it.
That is 5:35:31
